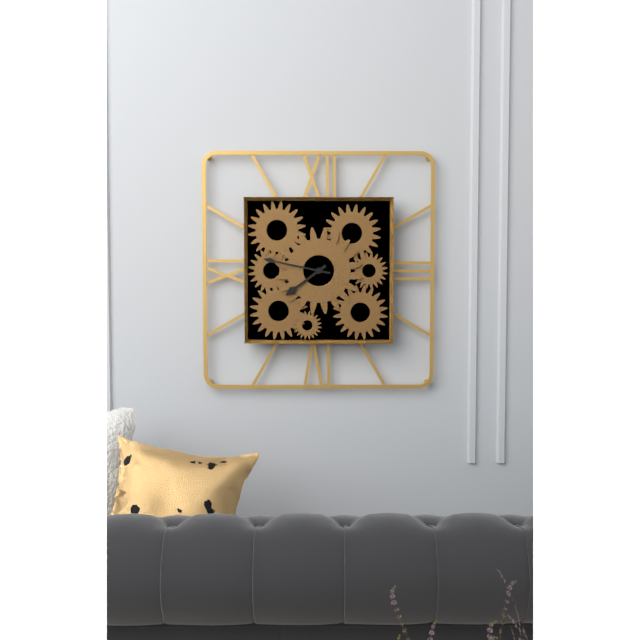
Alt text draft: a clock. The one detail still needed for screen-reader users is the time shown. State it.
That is 7:47
